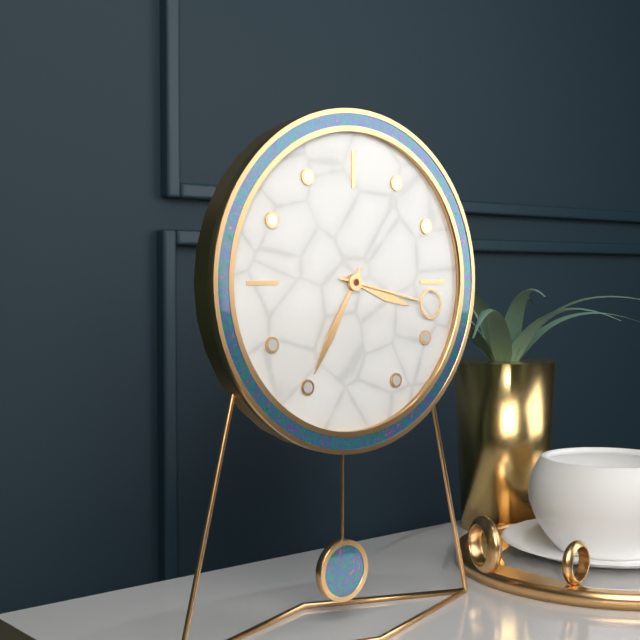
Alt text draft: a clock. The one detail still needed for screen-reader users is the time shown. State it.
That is 3:35:17
